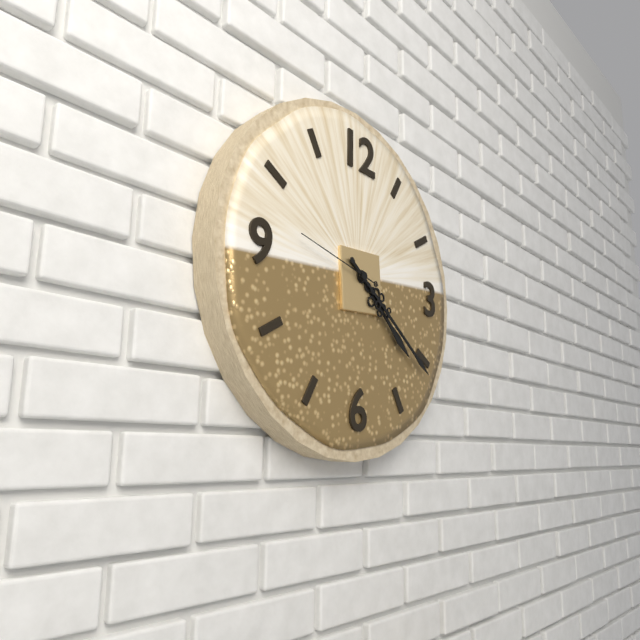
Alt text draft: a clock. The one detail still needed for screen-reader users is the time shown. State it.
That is 4:21:47
